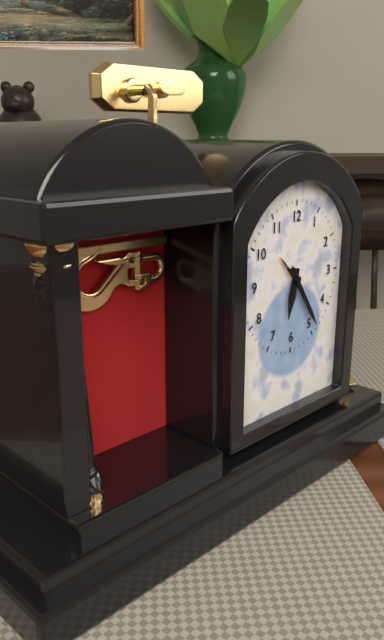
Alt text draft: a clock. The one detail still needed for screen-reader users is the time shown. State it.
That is 6:24
